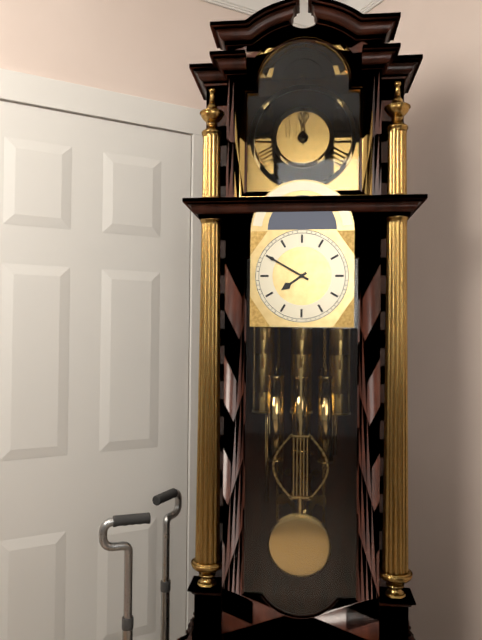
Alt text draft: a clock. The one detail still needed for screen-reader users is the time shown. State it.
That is 7:50
